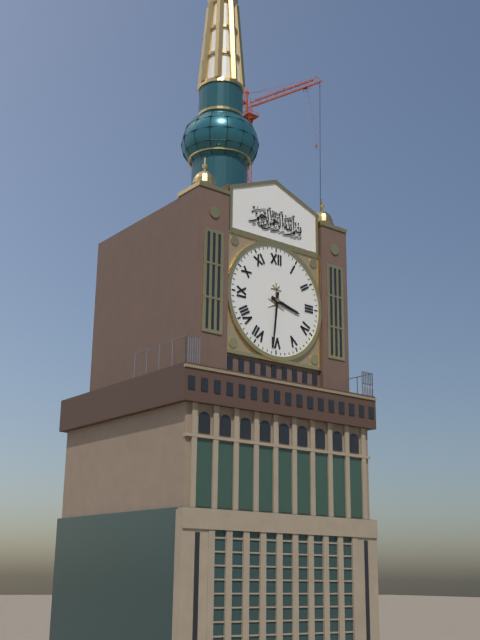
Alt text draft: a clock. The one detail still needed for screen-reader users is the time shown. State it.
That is 3:31
